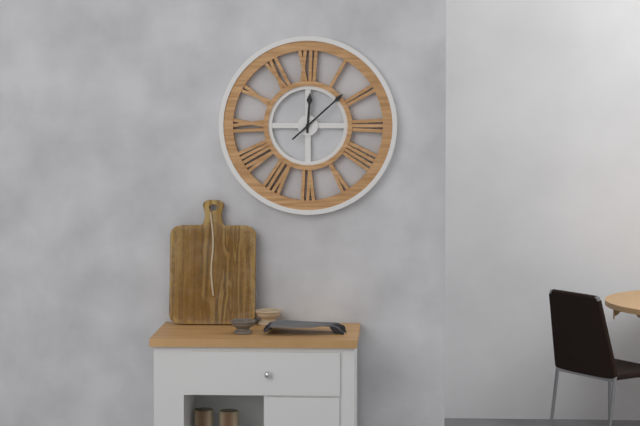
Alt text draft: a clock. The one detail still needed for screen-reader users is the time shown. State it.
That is 12:08
